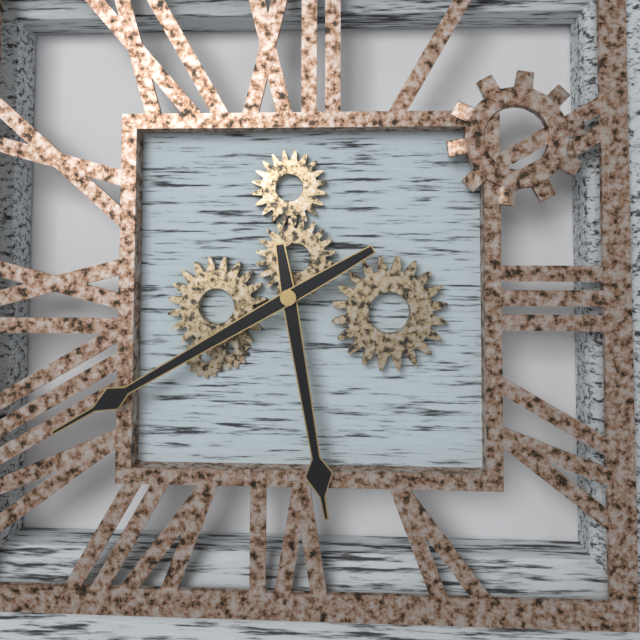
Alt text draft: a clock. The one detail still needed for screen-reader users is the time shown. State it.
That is 5:40
